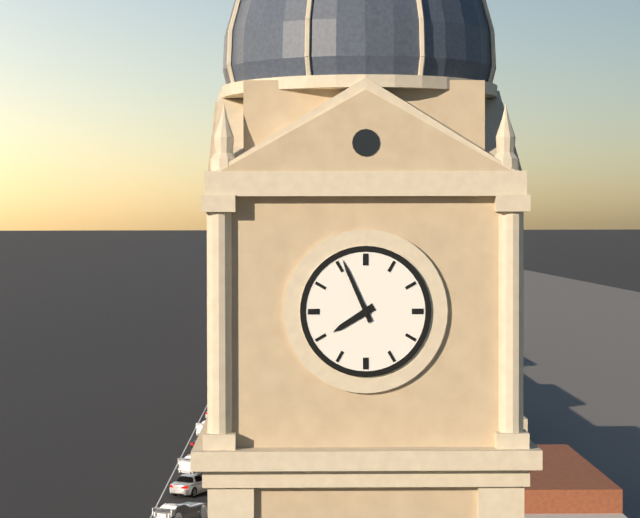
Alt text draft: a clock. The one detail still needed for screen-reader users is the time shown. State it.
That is 7:56
